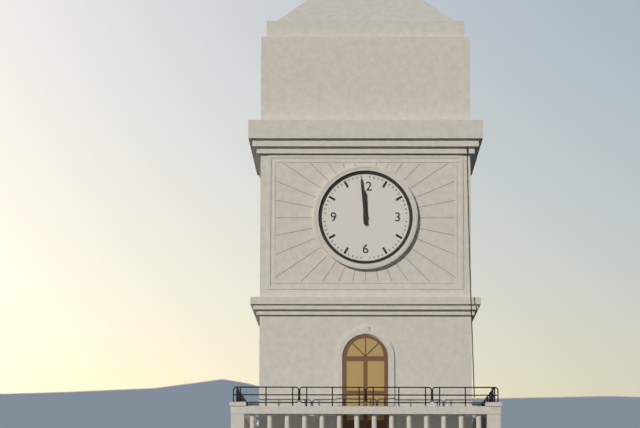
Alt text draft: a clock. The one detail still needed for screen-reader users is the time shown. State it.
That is 11:59
